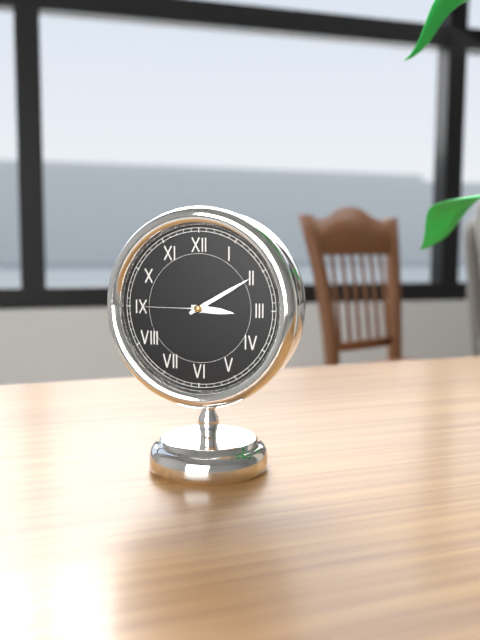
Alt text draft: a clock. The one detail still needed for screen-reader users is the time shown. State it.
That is 3:10:45
